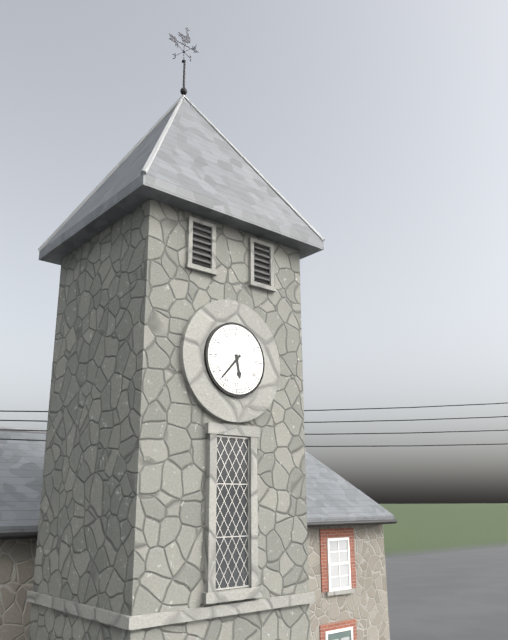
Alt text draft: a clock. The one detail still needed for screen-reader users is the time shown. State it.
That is 5:37
